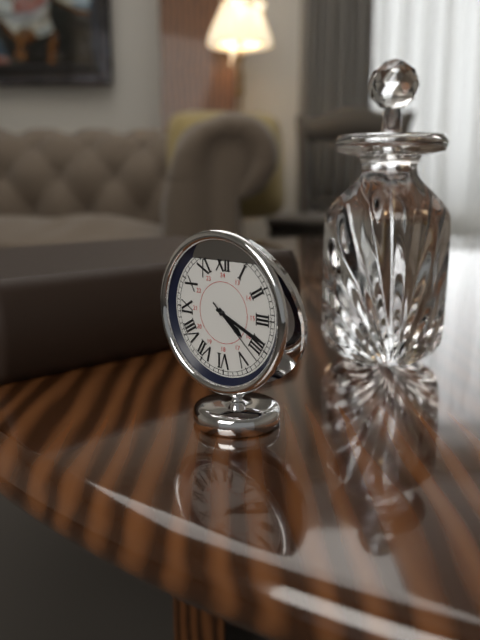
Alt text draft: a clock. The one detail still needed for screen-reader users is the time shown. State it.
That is 4:19:22
